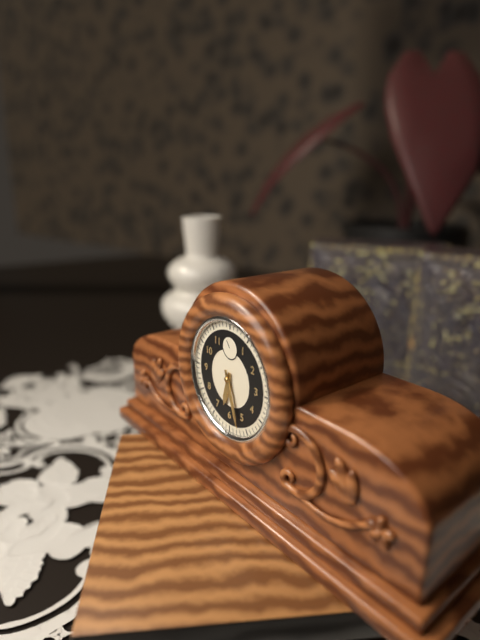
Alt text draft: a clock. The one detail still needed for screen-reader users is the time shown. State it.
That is 6:27
